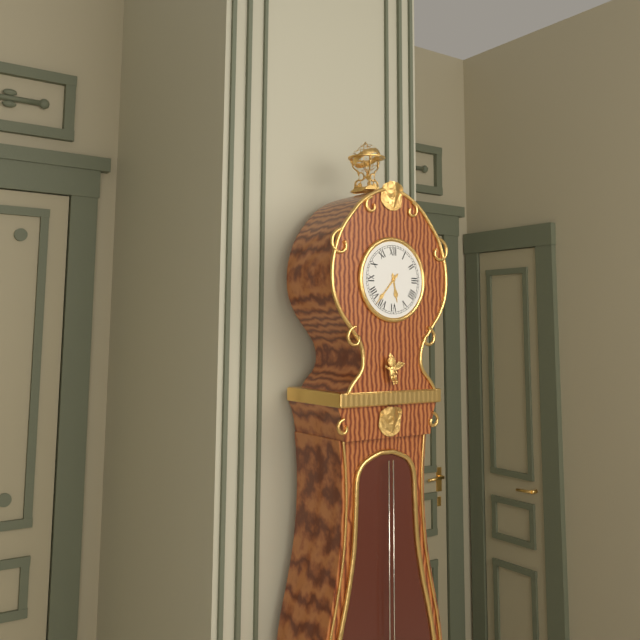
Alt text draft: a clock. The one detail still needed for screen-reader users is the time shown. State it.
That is 5:37
